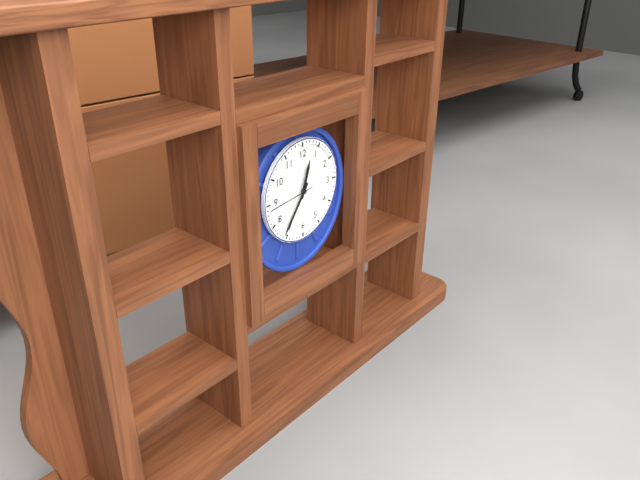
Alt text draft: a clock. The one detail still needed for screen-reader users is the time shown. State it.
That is 12:36:44
